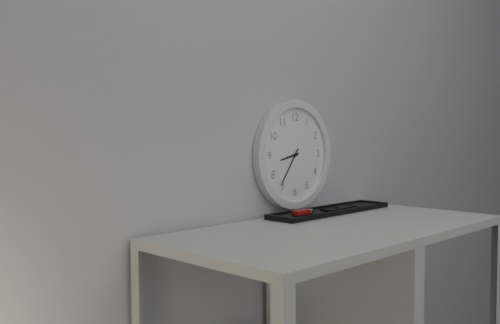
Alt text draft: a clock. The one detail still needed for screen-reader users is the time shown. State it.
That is 8:36
